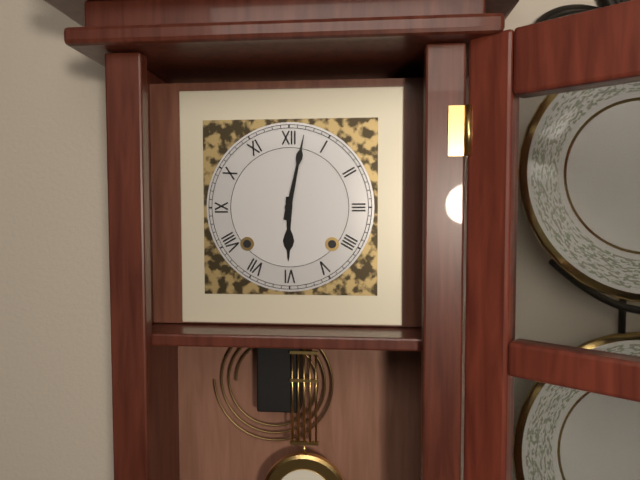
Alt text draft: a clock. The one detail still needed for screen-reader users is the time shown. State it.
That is 6:02
